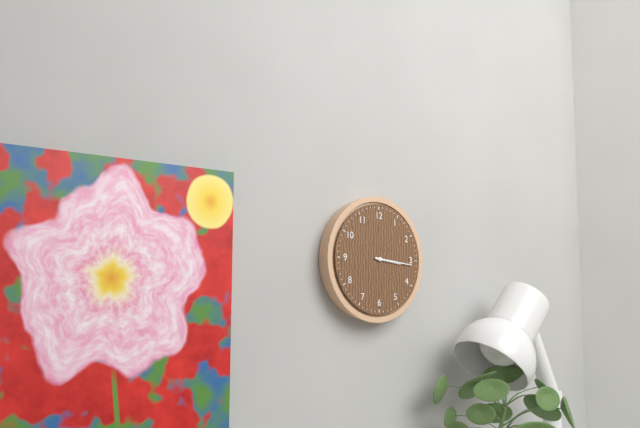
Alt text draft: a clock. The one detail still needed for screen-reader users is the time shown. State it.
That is 3:16
